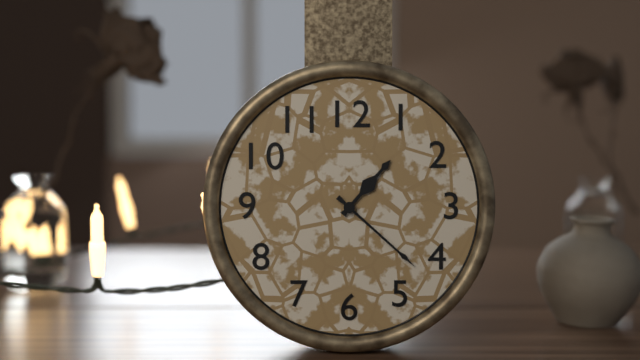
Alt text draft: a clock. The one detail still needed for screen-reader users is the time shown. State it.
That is 1:22
